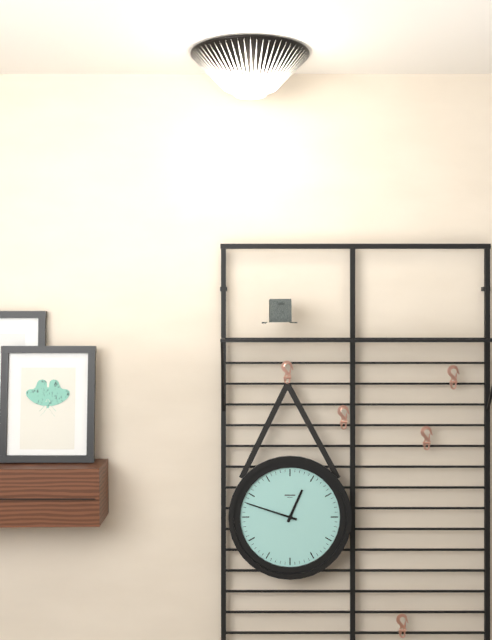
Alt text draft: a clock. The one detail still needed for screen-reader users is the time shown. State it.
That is 12:48
